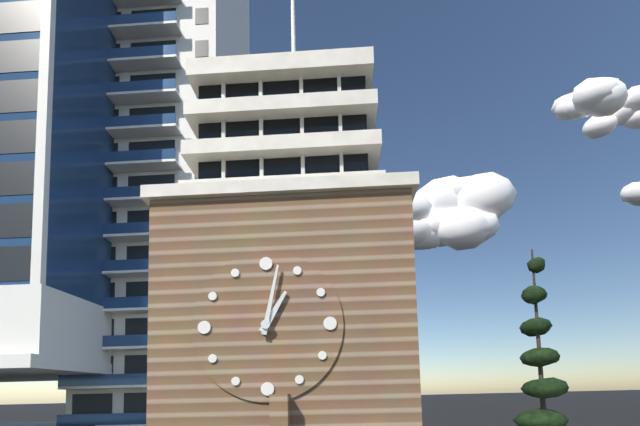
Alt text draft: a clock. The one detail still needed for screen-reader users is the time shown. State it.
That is 1:02
